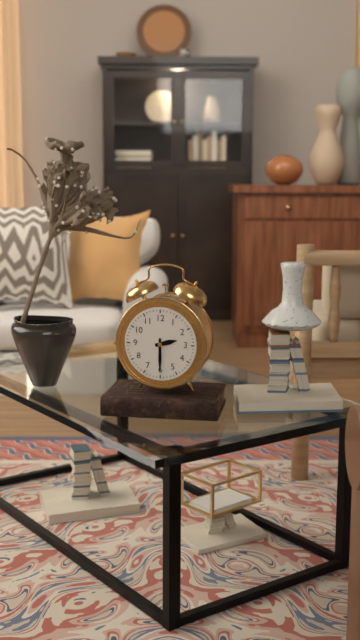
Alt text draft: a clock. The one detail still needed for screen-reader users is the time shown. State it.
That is 2:30
